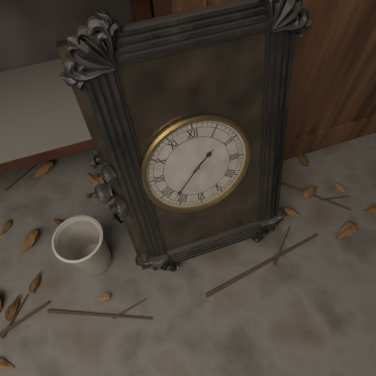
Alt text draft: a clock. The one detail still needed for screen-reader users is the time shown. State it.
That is 1:37
